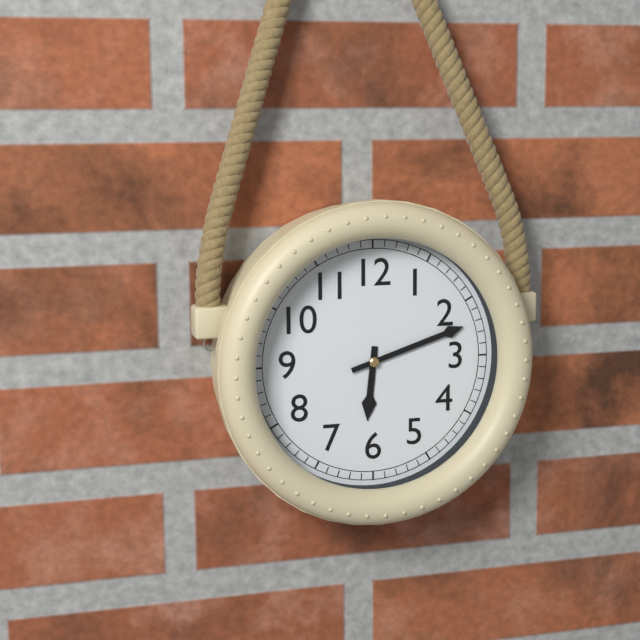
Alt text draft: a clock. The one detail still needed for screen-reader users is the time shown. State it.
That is 6:12
